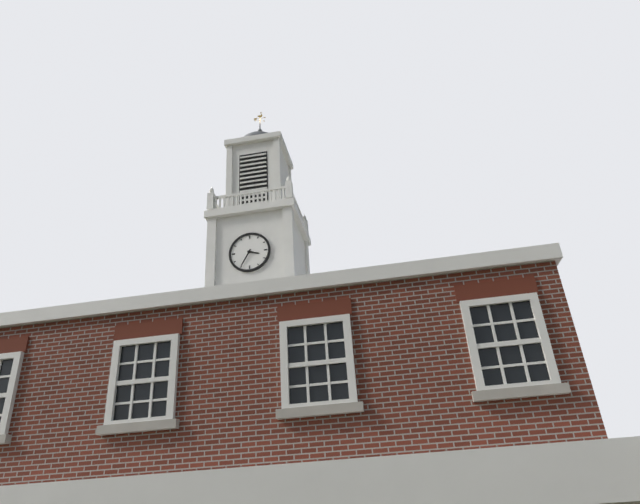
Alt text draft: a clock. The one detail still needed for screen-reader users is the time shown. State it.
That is 3:35
